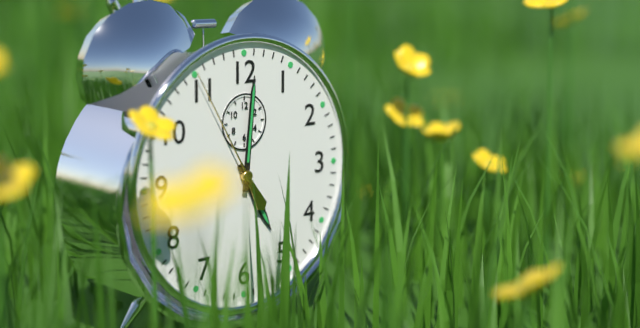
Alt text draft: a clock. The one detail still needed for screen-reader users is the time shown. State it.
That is 5:01:55
